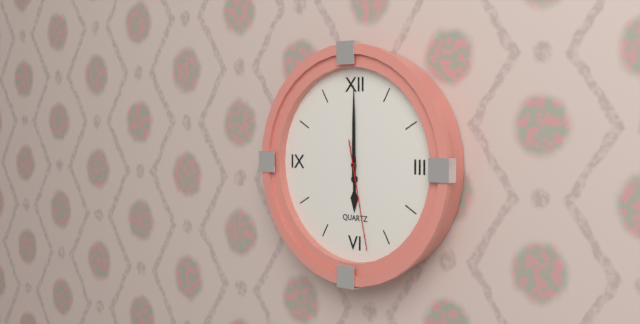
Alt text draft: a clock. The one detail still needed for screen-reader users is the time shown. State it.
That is 6:00:28
